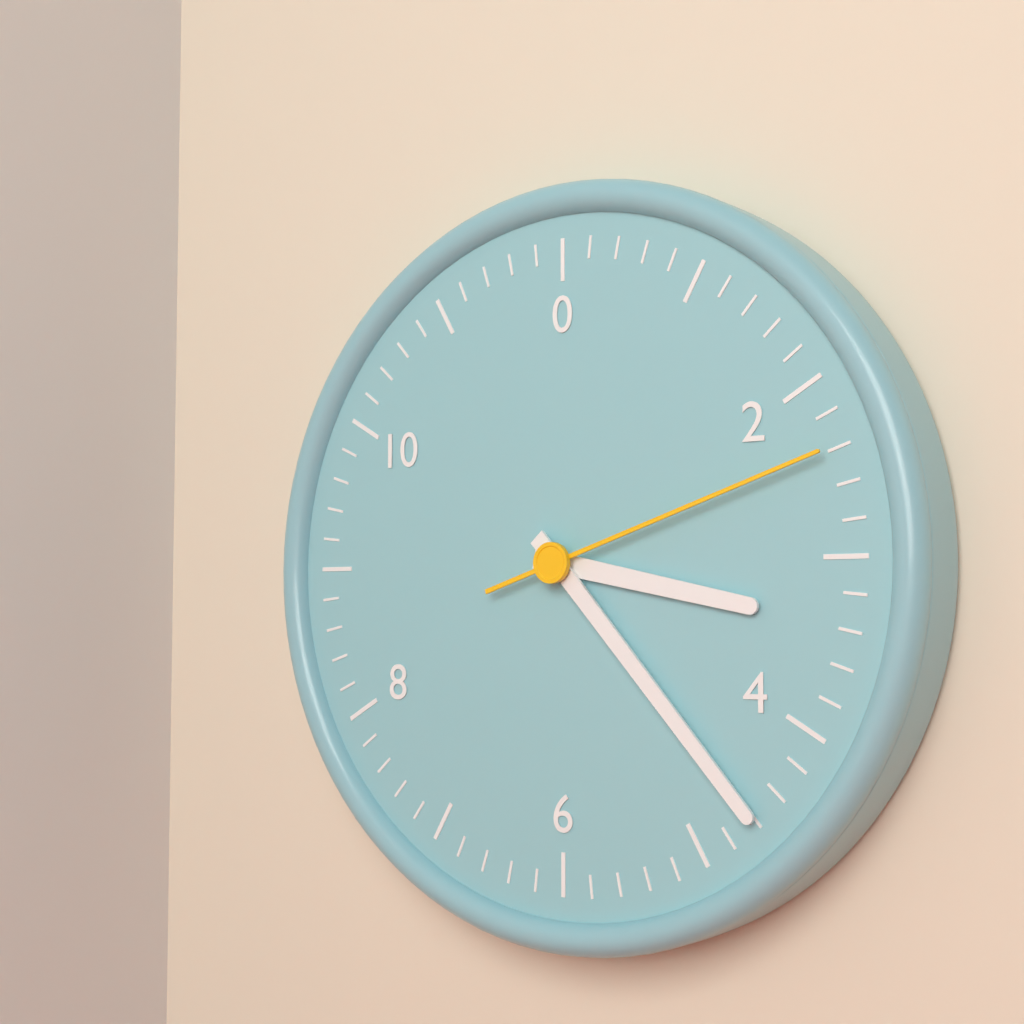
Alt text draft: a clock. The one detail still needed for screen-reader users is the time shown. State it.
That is 3:23:12
